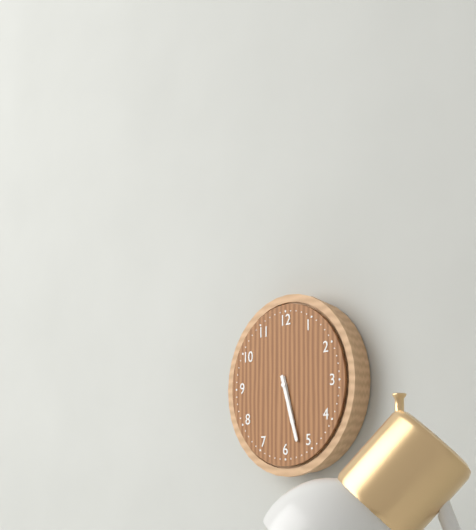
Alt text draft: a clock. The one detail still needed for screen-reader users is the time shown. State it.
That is 5:27
